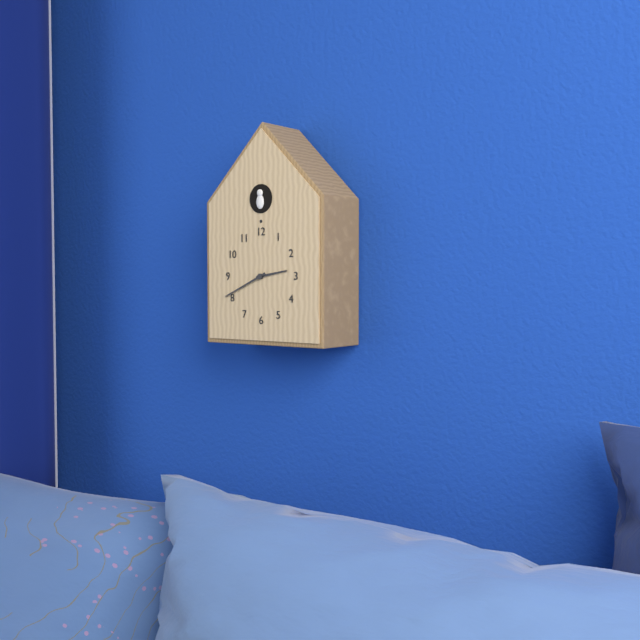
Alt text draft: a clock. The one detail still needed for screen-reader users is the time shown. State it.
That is 2:41
